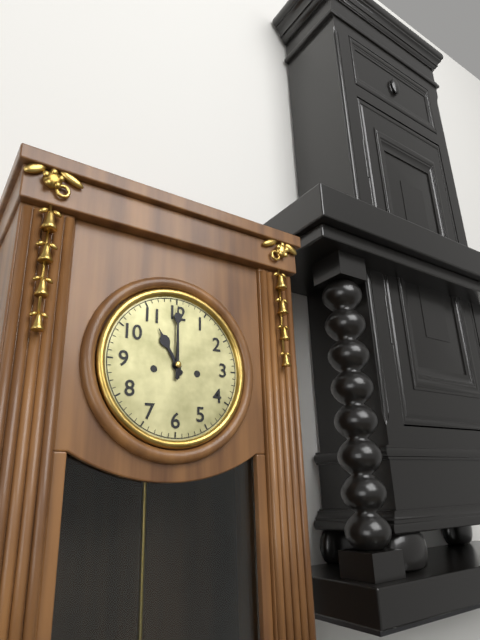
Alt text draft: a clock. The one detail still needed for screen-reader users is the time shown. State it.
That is 11:00
